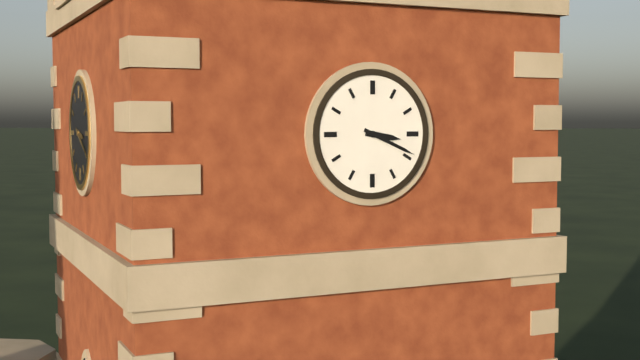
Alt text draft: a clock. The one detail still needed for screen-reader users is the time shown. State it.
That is 3:19
